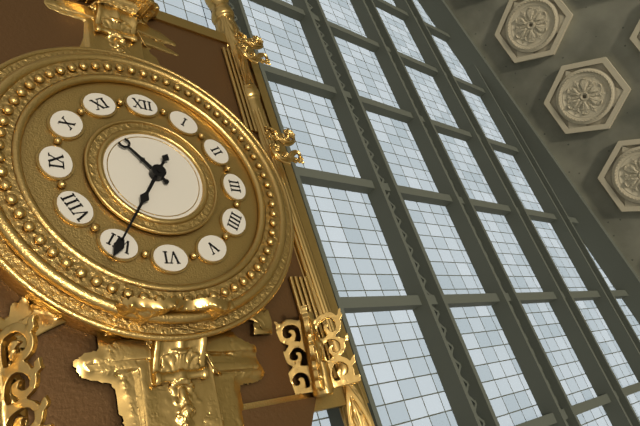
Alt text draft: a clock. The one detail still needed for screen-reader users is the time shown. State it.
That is 10:35
